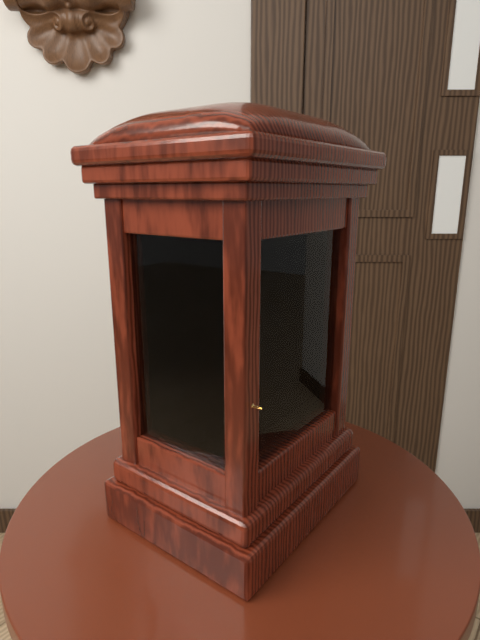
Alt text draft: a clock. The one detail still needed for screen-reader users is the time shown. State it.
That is 2:30
